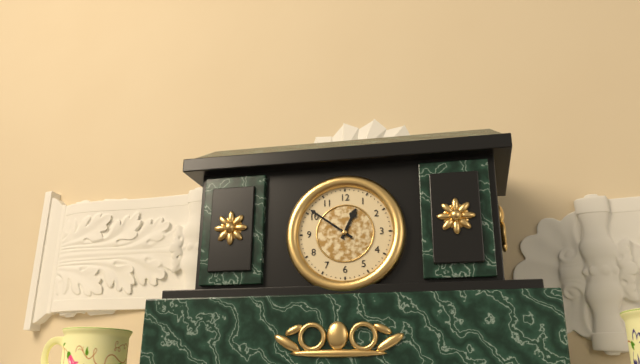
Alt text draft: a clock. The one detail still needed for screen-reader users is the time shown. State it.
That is 12:51
